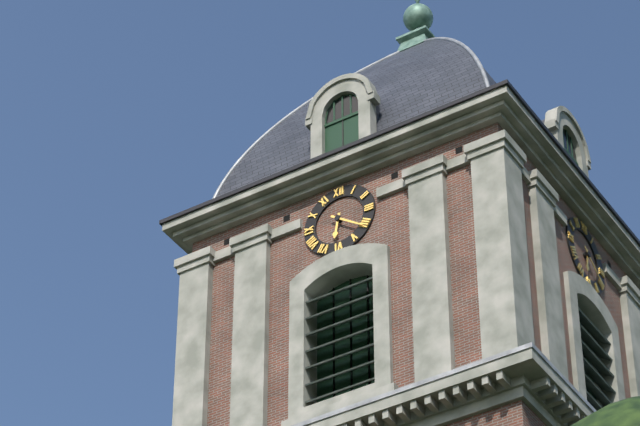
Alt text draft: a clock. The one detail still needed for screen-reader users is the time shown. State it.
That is 6:21
